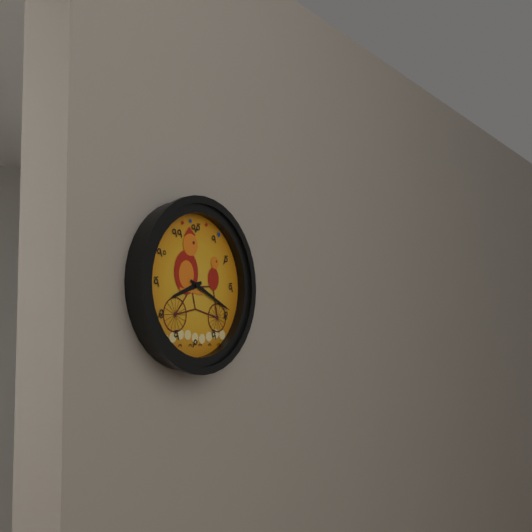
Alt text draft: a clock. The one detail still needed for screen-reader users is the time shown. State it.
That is 8:19
